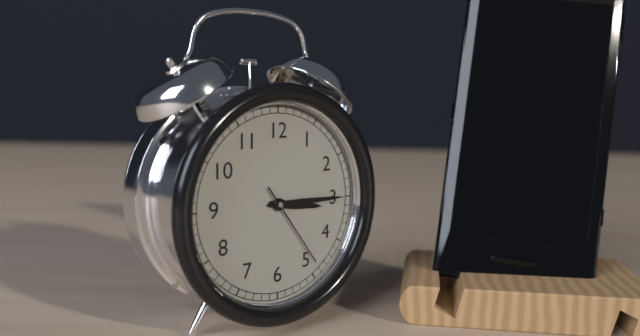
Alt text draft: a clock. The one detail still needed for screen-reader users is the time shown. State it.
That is 3:15:24
